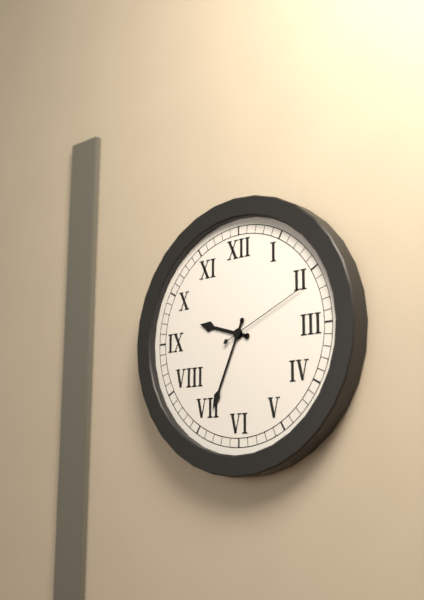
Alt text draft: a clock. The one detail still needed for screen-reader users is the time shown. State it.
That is 9:34:11
